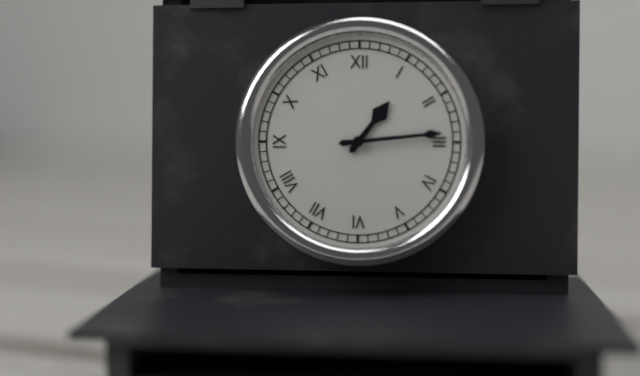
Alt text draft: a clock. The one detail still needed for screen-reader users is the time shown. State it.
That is 1:14
